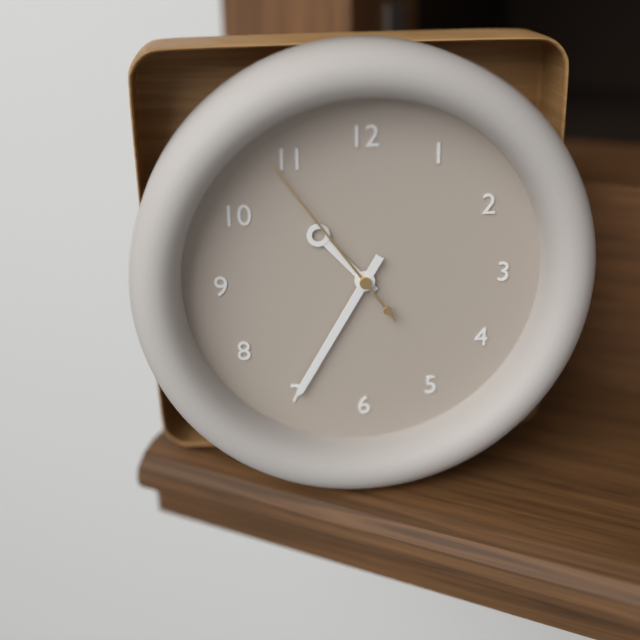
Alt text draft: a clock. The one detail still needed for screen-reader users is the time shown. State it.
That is 10:35:54
